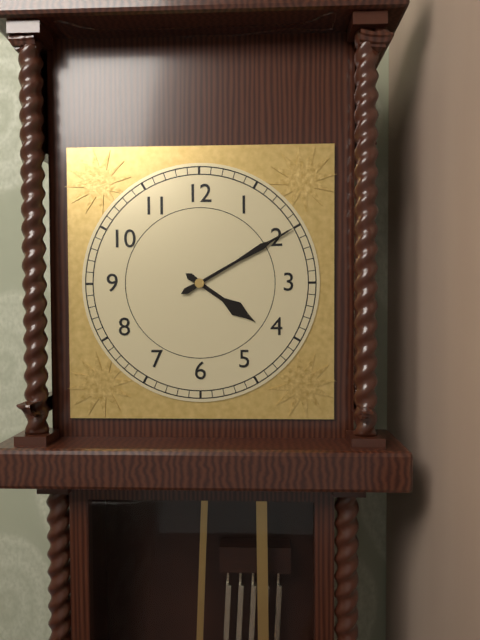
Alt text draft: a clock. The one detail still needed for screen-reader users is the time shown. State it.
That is 4:10
